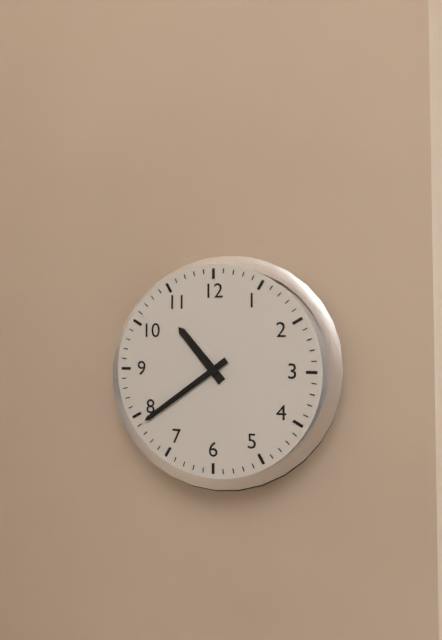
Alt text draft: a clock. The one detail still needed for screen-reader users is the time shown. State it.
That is 10:39
